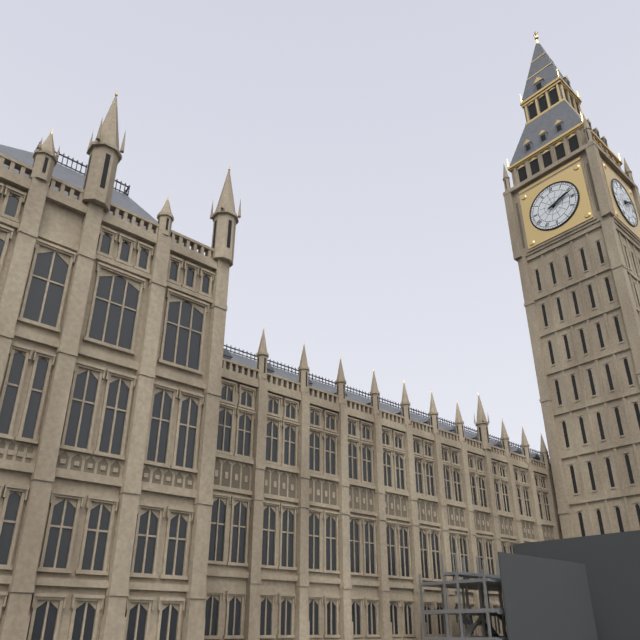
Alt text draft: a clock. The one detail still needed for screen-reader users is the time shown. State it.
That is 2:12
